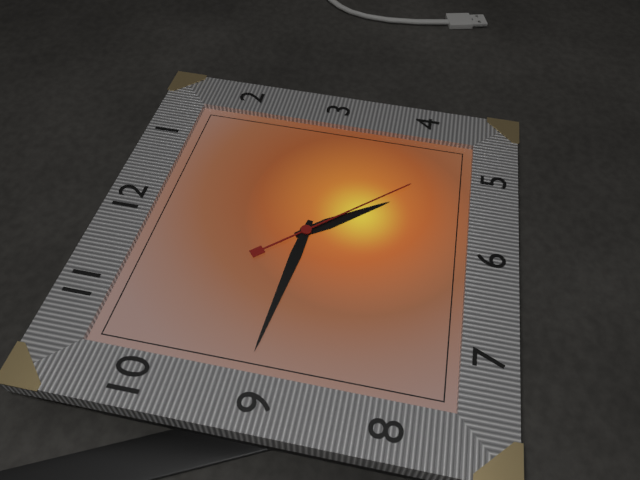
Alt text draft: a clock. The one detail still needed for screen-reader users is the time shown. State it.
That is 4:46:23
